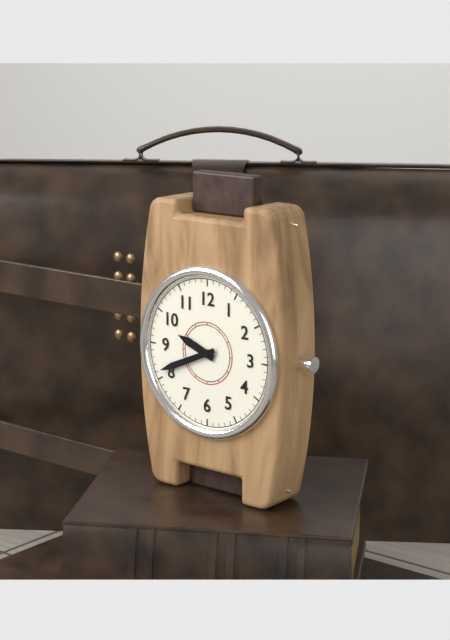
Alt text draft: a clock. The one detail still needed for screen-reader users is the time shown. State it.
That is 9:41
